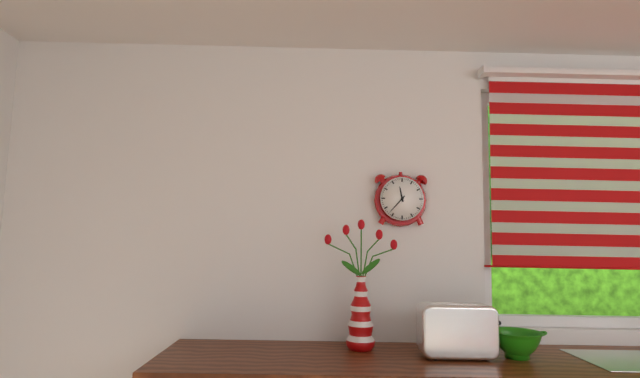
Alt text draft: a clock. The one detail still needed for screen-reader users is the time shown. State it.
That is 11:37
